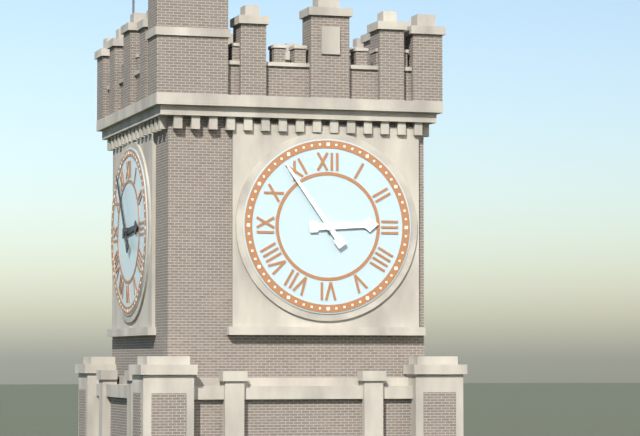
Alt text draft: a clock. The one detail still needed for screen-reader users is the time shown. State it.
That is 2:54
